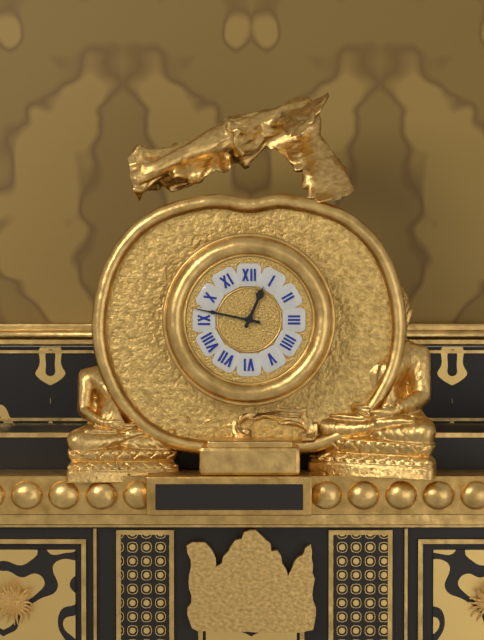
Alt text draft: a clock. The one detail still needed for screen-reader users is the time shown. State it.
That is 12:47
